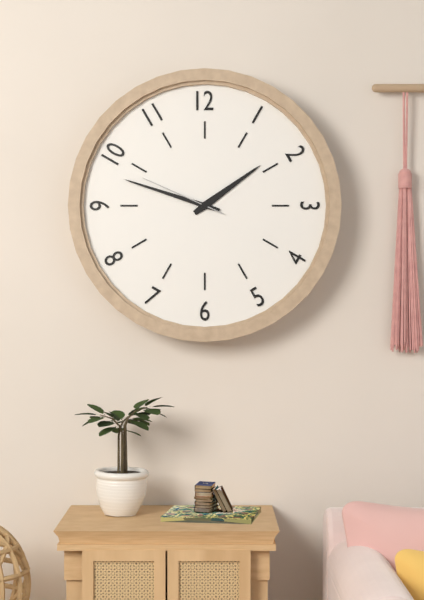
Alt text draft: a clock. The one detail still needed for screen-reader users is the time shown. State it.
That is 1:48:49
